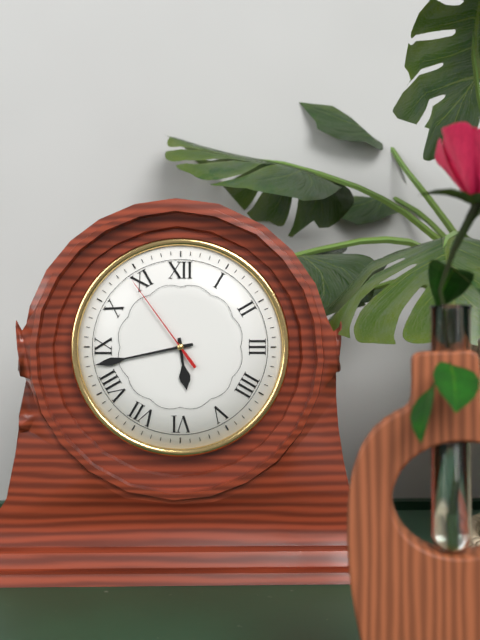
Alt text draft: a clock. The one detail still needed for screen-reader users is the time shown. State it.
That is 5:43:54
